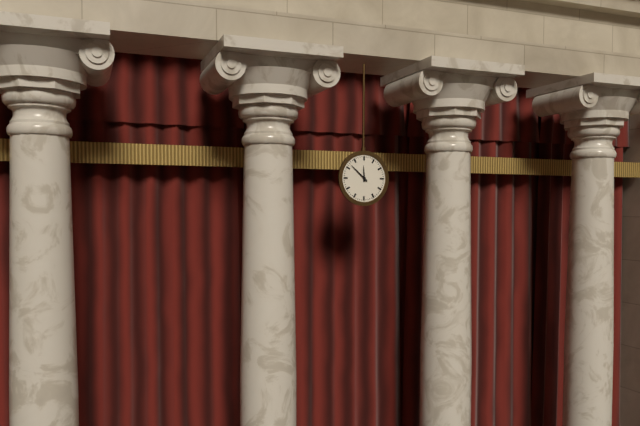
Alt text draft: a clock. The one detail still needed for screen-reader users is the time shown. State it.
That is 11:52
